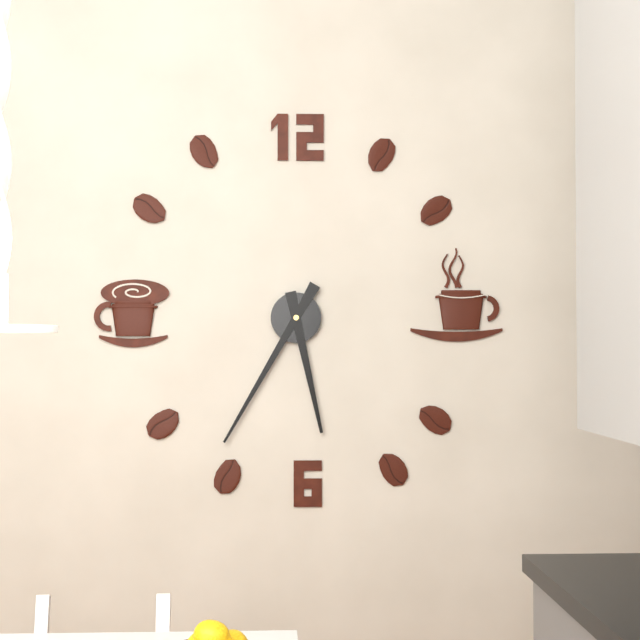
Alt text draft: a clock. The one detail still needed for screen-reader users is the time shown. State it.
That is 5:35
